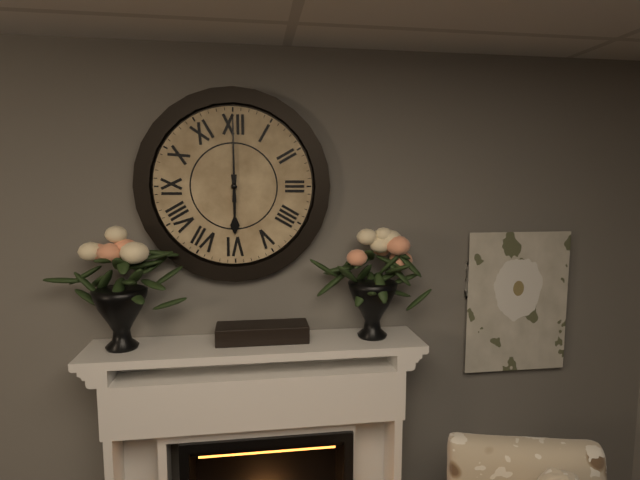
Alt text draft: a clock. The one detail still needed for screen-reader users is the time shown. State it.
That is 6:00
